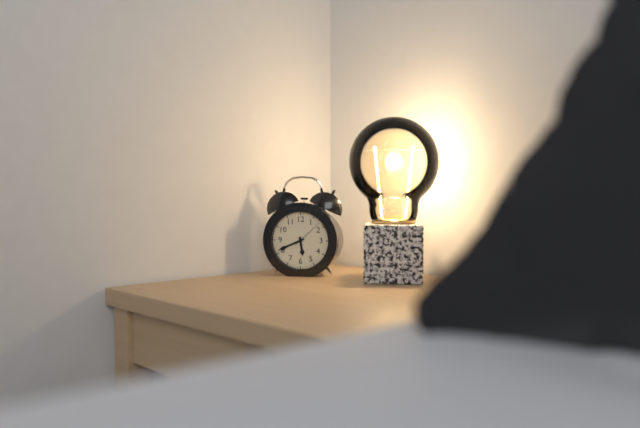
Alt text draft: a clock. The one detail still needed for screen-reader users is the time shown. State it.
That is 5:41
